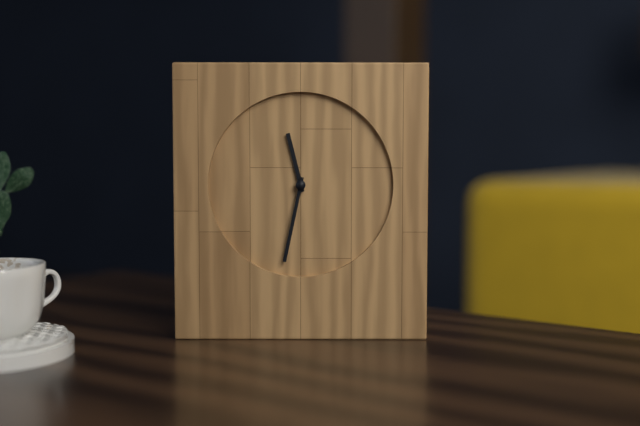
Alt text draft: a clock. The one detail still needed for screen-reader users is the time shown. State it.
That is 11:32
